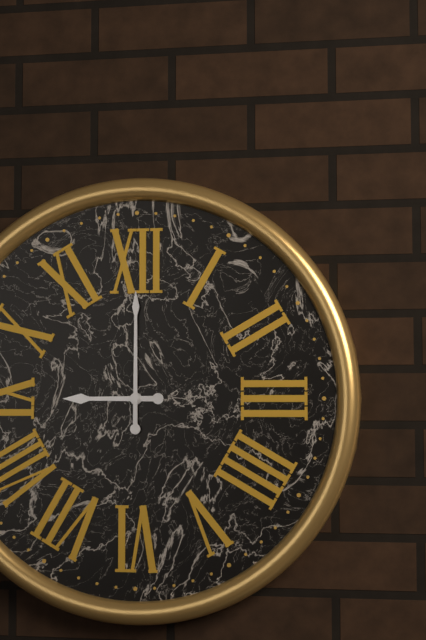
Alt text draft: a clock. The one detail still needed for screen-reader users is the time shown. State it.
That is 9:00
